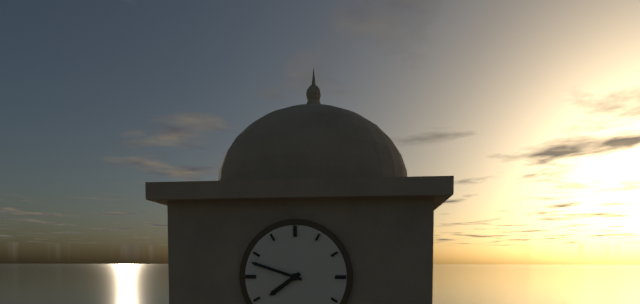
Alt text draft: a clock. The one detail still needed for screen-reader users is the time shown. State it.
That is 7:48
